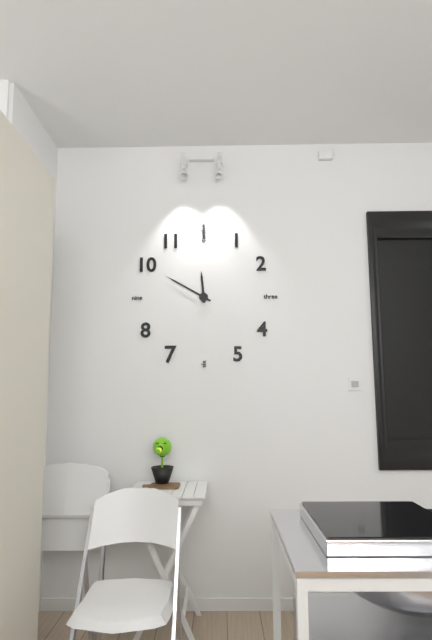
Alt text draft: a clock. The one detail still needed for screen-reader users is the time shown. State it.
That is 11:50
